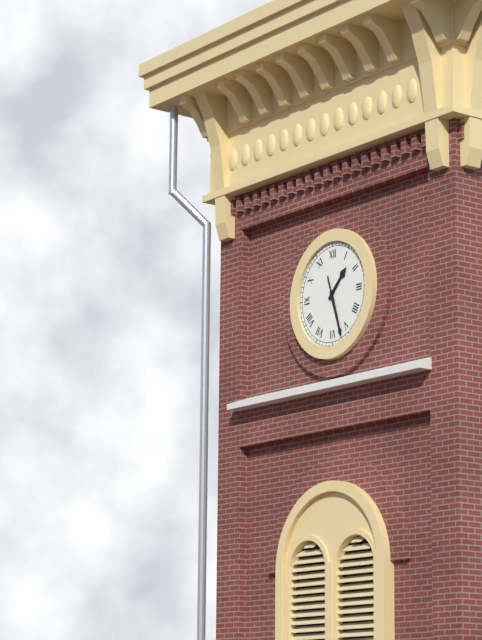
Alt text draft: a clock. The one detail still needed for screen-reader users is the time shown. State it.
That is 1:27
